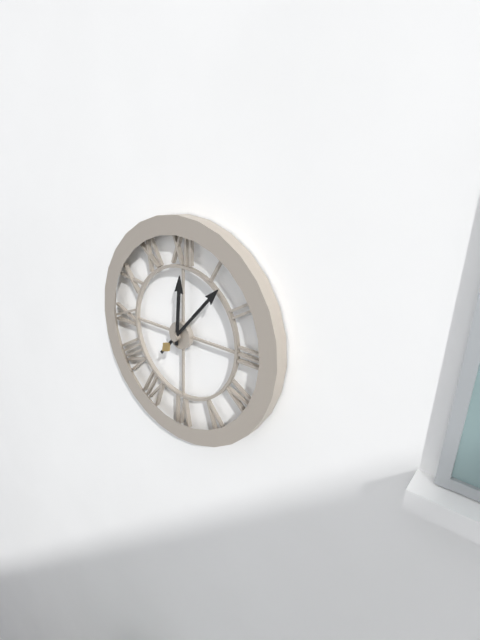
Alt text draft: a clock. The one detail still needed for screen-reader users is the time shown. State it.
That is 12:07
